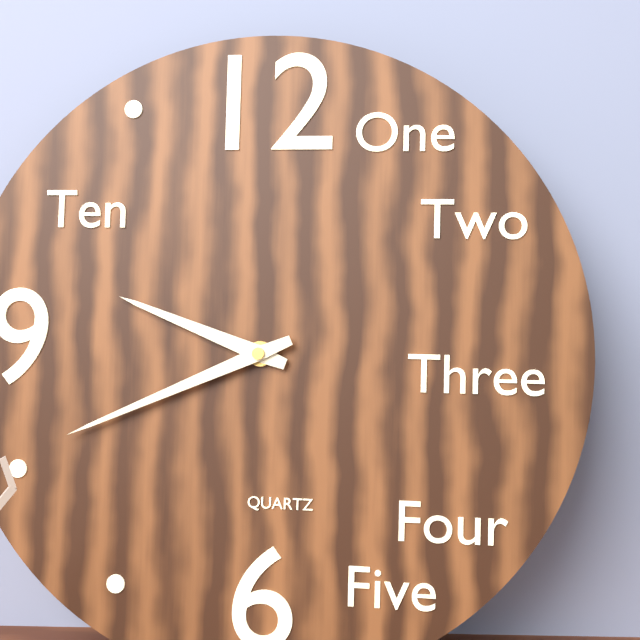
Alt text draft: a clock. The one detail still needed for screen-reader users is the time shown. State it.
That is 9:41
